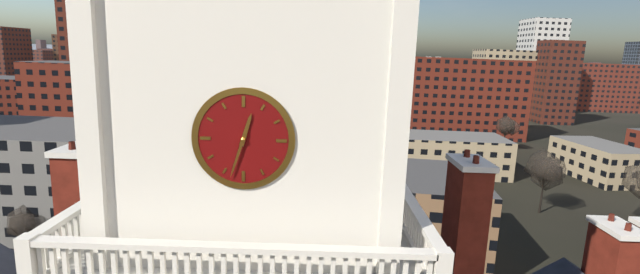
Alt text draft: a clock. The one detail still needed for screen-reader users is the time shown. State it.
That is 12:33
